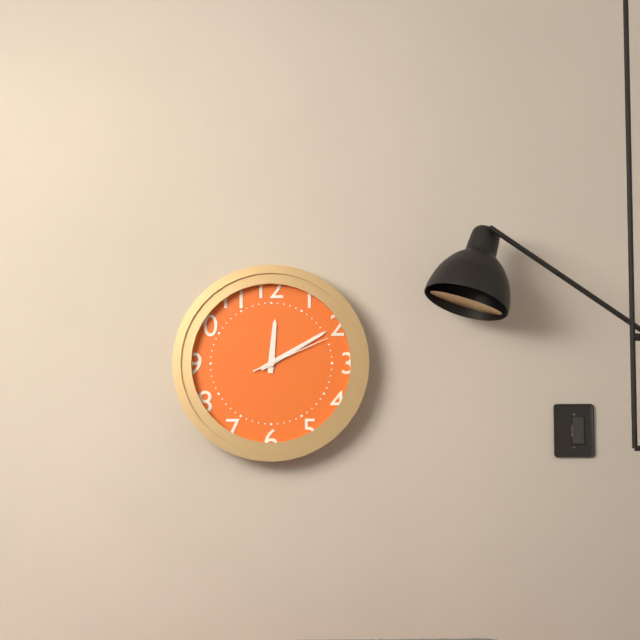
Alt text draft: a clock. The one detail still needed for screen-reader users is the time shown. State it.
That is 12:10:11
